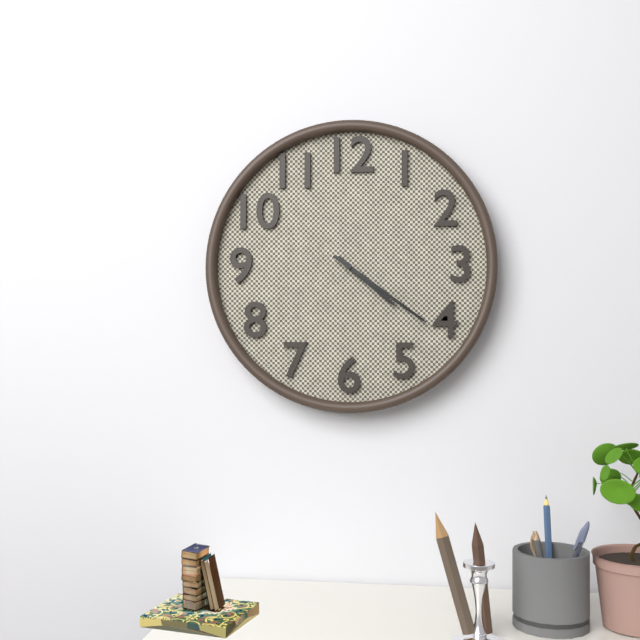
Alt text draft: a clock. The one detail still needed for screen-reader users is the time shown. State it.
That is 4:21
